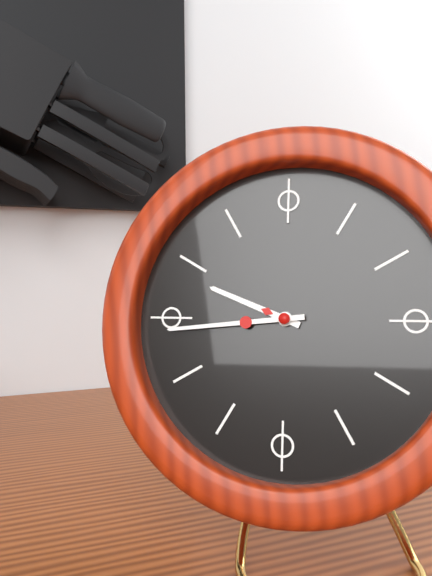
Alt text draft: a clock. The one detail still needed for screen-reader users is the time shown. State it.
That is 9:44
